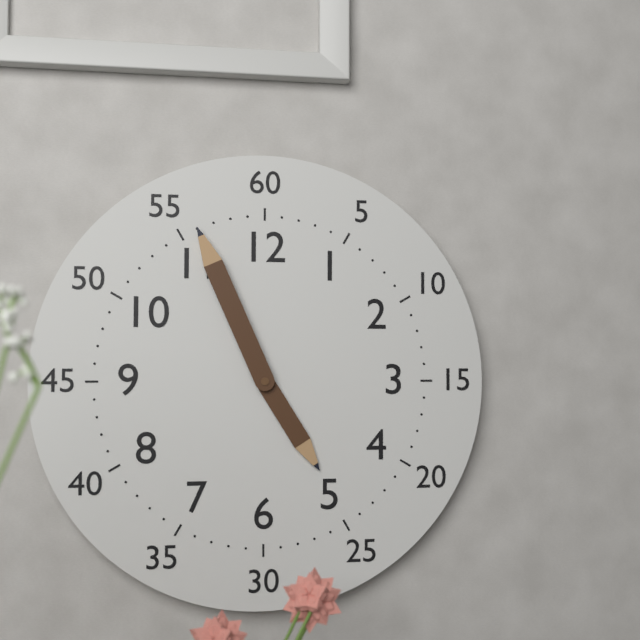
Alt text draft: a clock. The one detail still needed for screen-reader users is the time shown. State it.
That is 4:56
